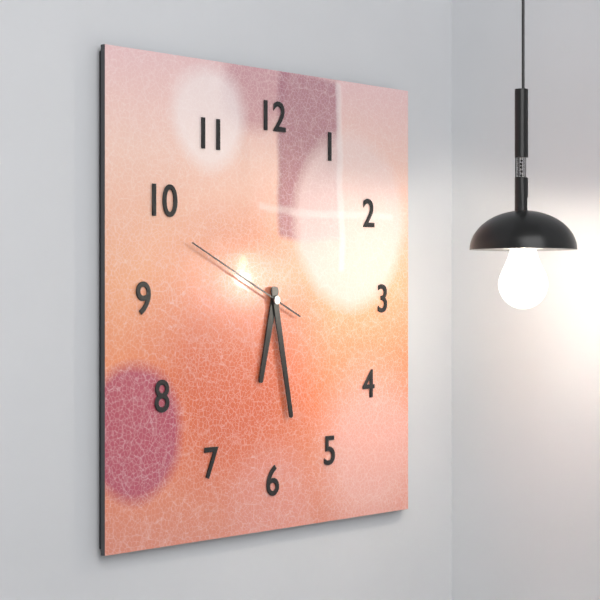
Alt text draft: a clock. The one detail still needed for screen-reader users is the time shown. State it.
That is 6:28:49
